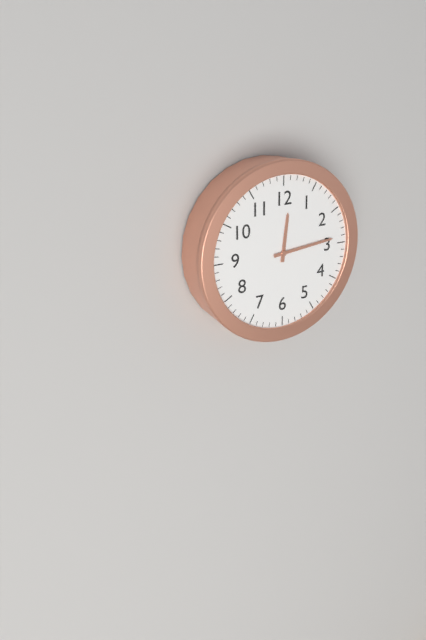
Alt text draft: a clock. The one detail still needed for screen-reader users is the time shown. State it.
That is 12:14
